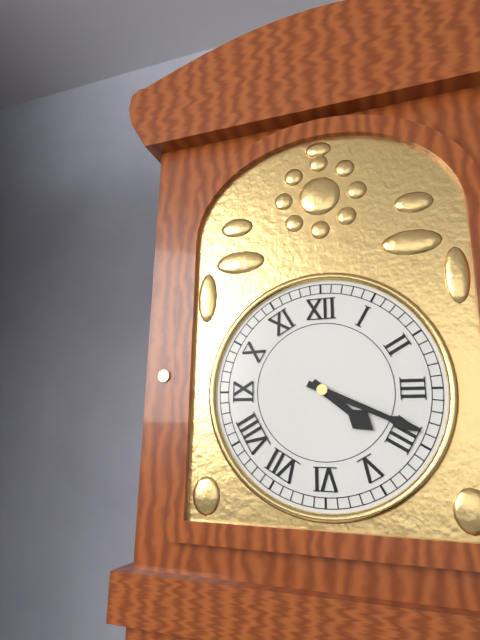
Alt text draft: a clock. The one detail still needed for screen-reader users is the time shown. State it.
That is 4:19
